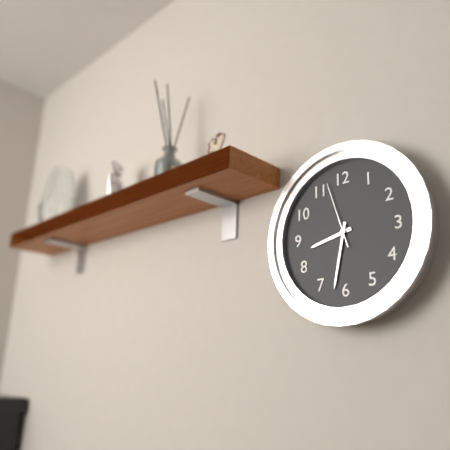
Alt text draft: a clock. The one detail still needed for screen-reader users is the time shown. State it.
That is 8:32:57
